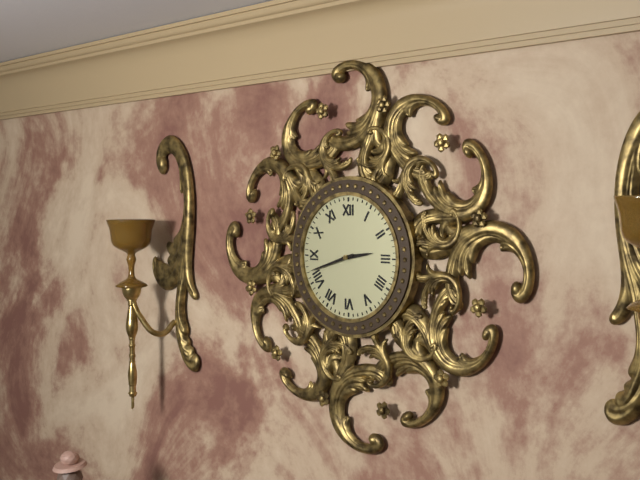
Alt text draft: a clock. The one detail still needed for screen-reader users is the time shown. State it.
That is 2:42
